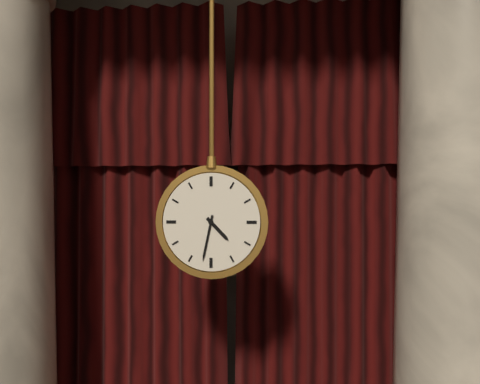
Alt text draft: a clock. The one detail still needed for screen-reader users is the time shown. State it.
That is 4:32
